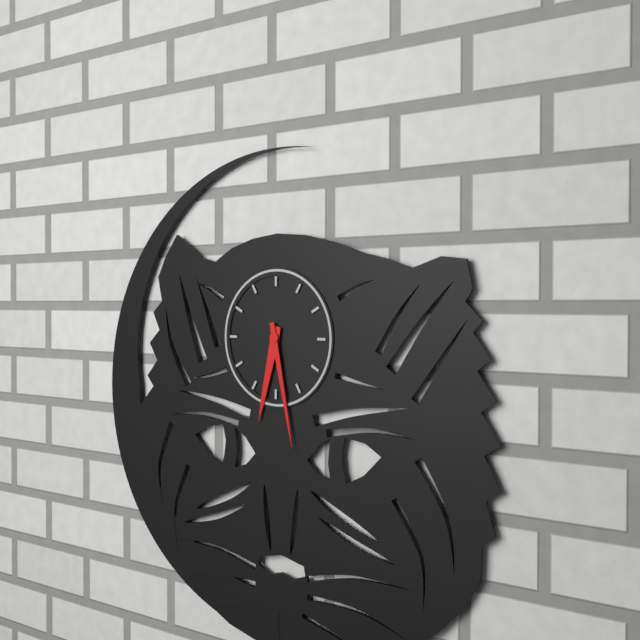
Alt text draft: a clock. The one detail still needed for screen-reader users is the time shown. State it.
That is 6:28
